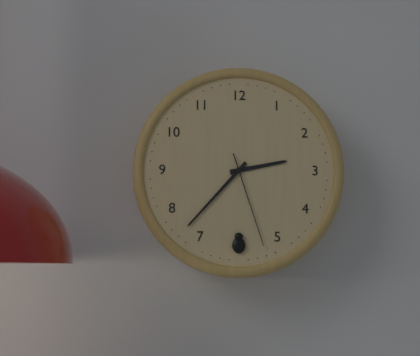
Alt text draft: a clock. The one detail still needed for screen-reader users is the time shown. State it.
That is 2:37:27
